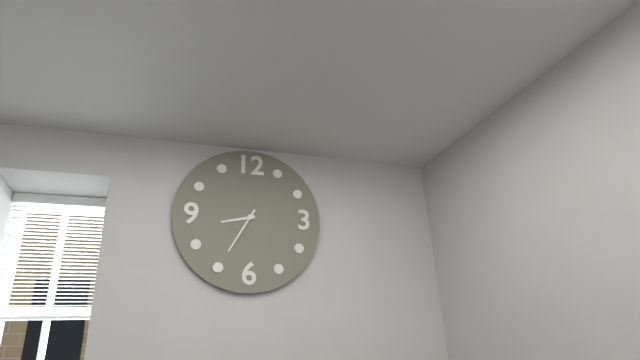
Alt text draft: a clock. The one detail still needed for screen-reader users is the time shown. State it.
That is 8:35
